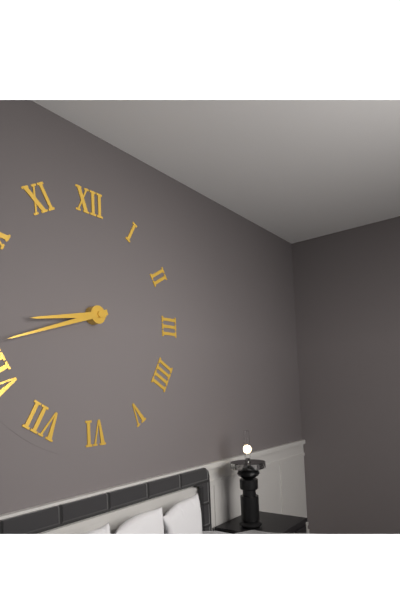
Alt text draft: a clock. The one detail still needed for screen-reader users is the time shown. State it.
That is 8:42
